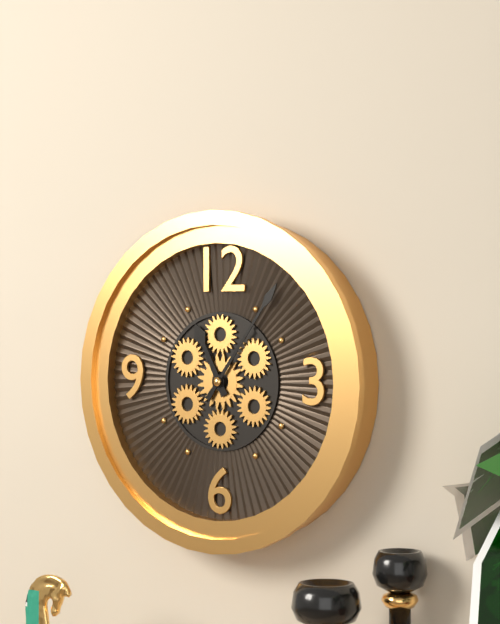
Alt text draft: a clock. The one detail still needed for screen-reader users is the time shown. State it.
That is 11:06
